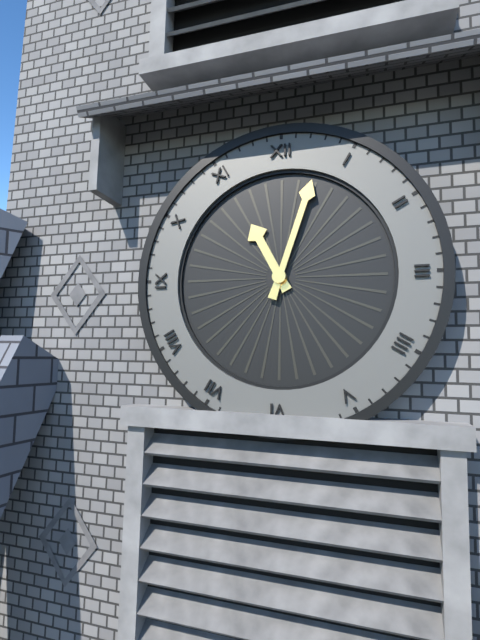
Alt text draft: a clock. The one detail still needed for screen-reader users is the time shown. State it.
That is 11:03
